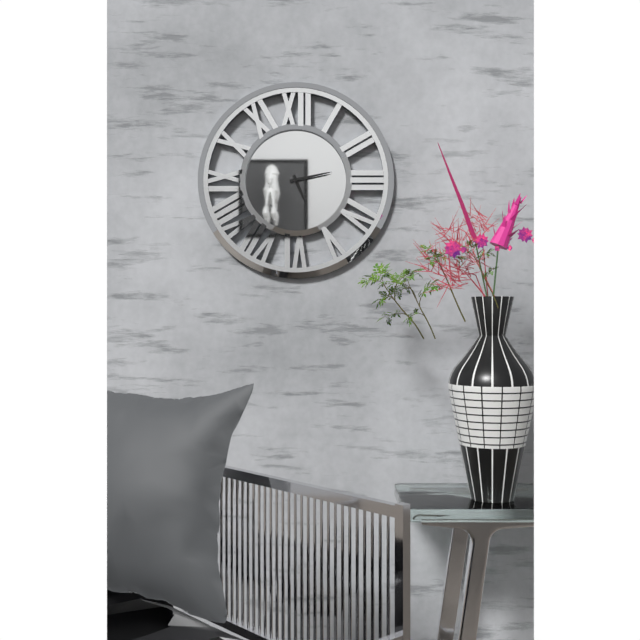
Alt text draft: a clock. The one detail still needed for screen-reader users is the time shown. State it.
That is 5:13
